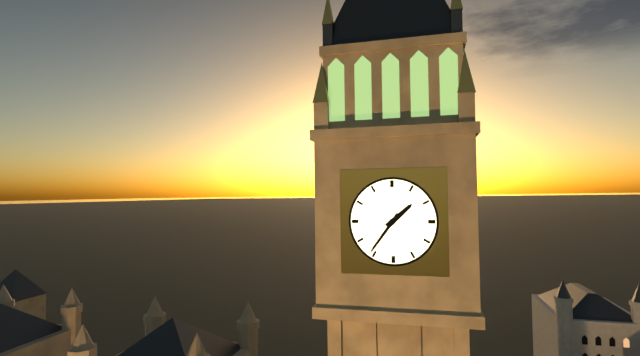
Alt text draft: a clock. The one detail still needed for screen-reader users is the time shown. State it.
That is 1:36
